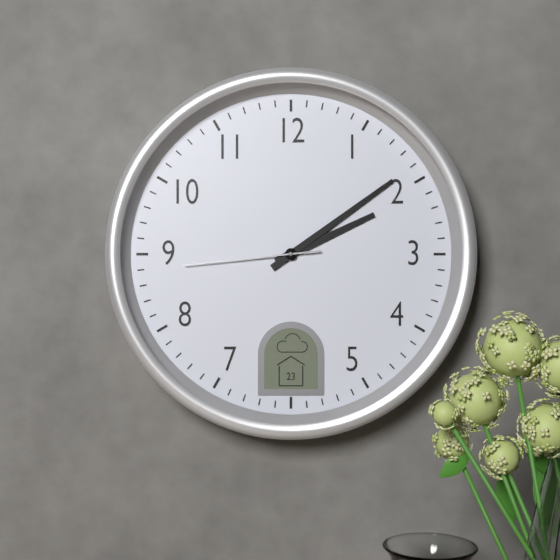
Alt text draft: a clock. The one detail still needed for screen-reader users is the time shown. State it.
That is 2:09:44
